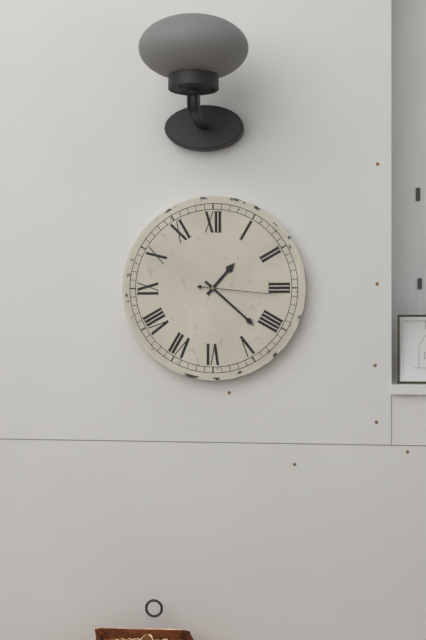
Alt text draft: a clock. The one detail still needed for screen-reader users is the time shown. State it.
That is 1:22:16
